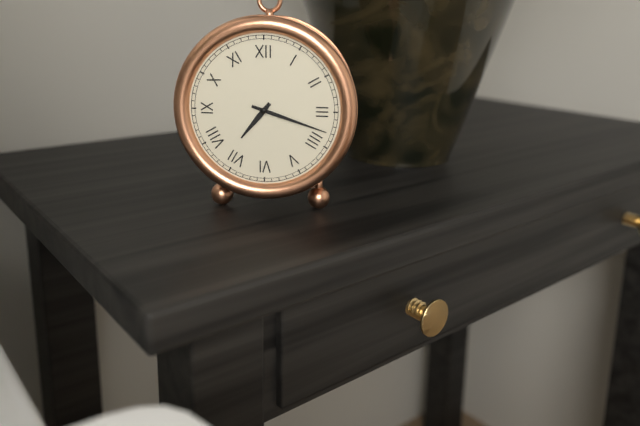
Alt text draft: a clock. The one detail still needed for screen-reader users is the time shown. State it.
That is 7:18
